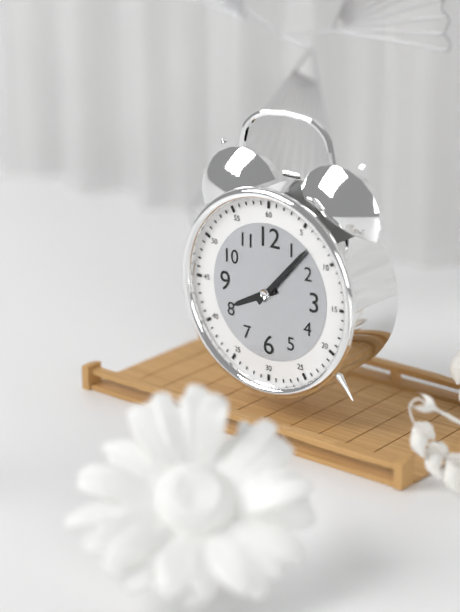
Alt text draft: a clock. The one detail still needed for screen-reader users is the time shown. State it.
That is 8:07
